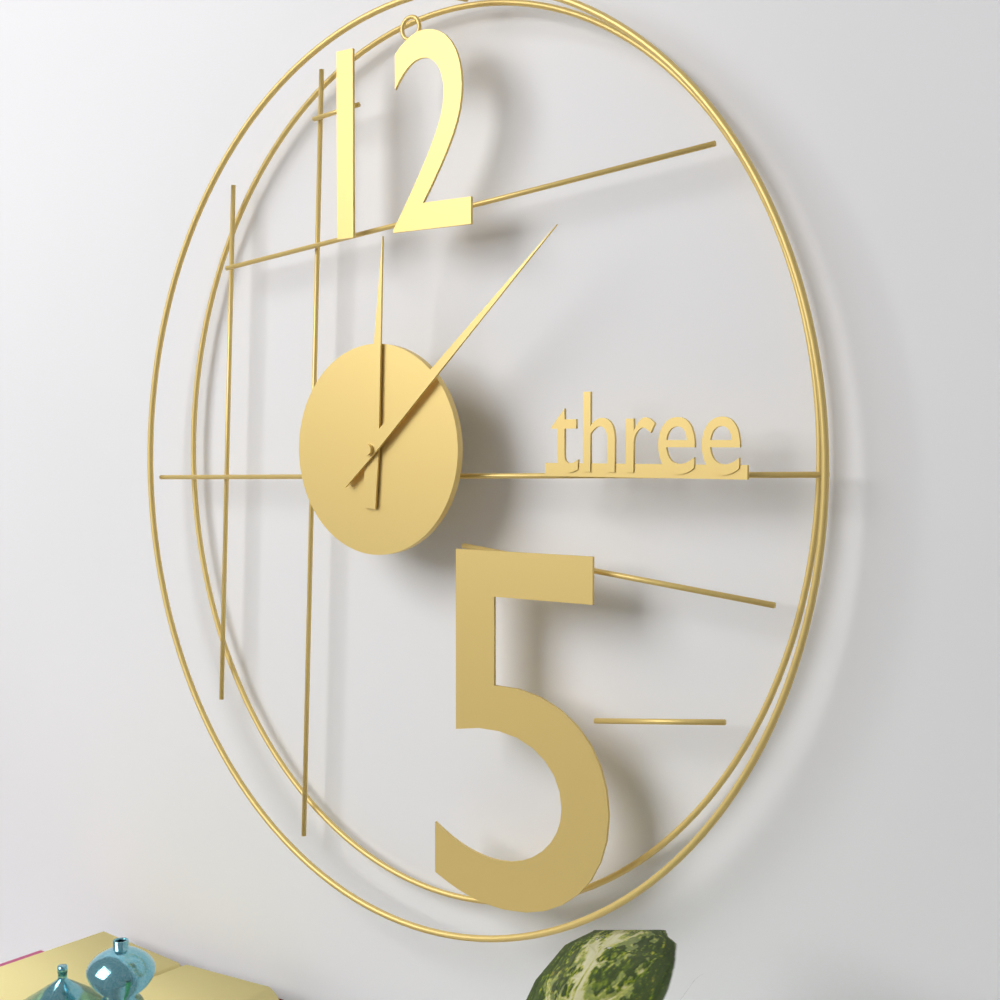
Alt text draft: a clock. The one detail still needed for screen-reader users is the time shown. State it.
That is 12:08
